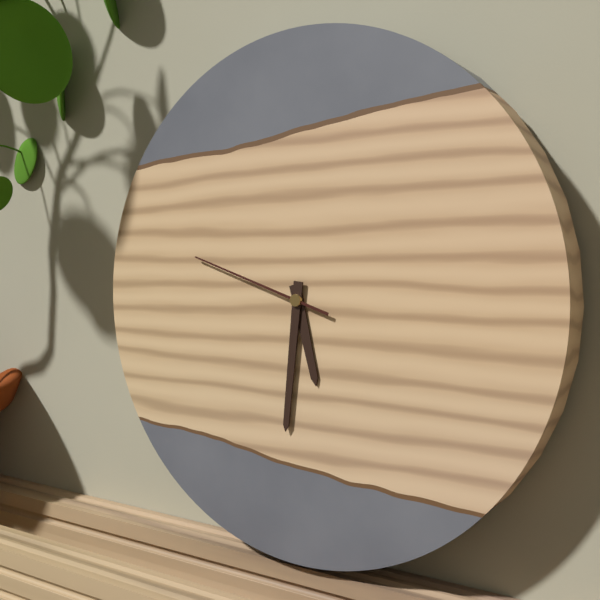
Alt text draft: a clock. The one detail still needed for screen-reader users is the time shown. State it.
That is 5:31:48
